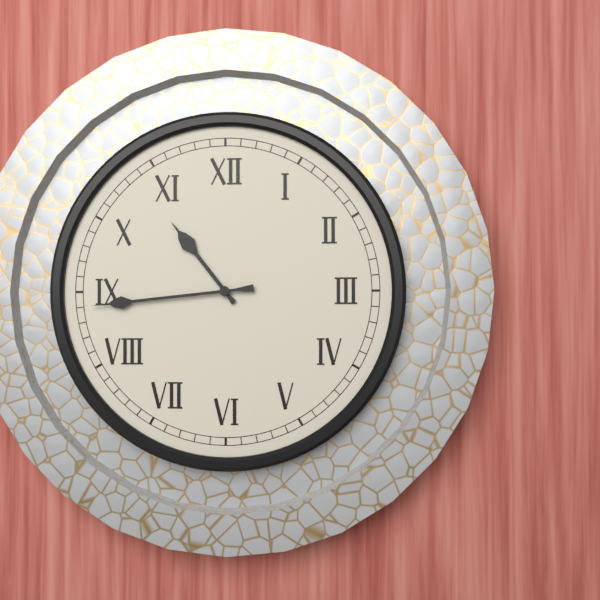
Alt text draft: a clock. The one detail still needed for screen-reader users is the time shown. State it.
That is 10:44
